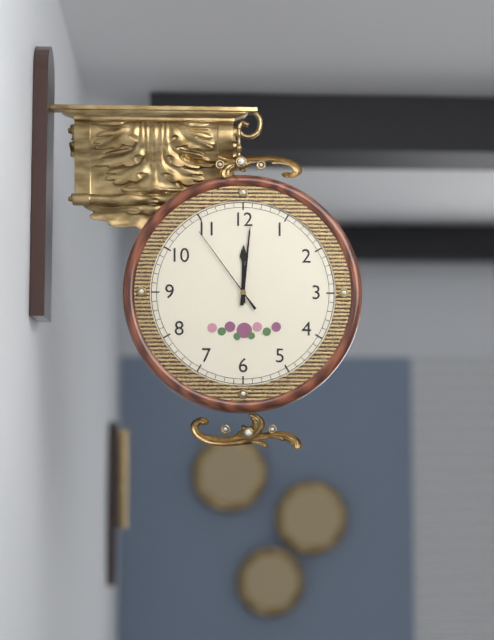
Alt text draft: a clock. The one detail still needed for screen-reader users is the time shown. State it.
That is 12:01:54
